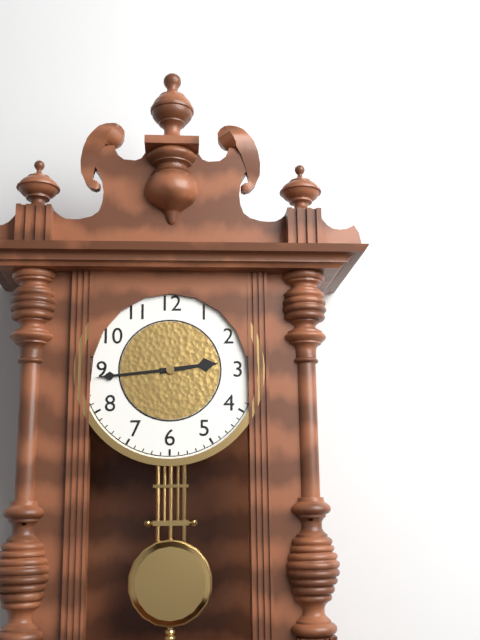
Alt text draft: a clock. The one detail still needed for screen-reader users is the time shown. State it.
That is 2:44
